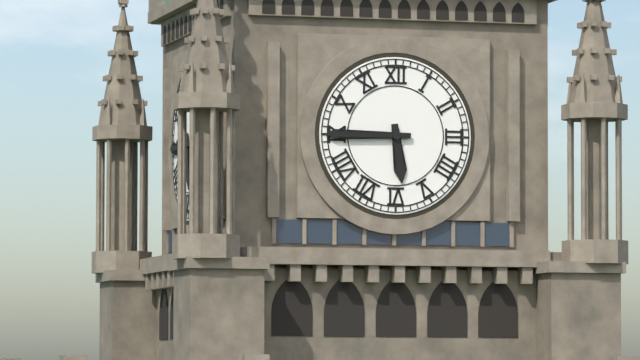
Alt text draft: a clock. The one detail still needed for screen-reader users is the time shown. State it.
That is 5:45
